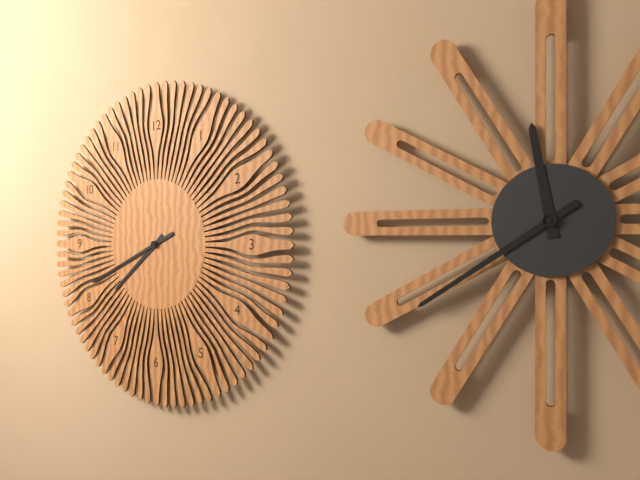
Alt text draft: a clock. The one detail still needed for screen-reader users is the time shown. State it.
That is 7:41
